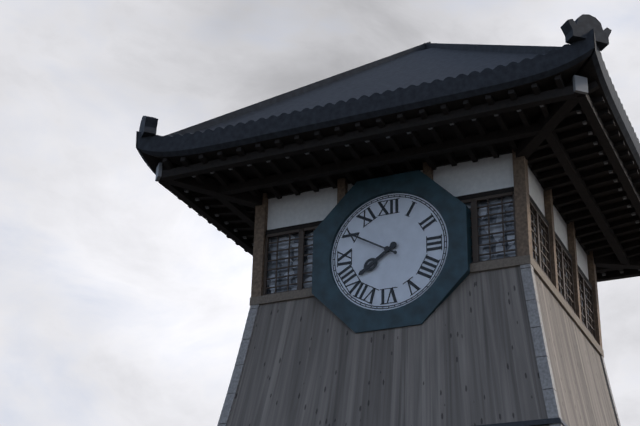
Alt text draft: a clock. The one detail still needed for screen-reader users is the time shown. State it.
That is 7:50
